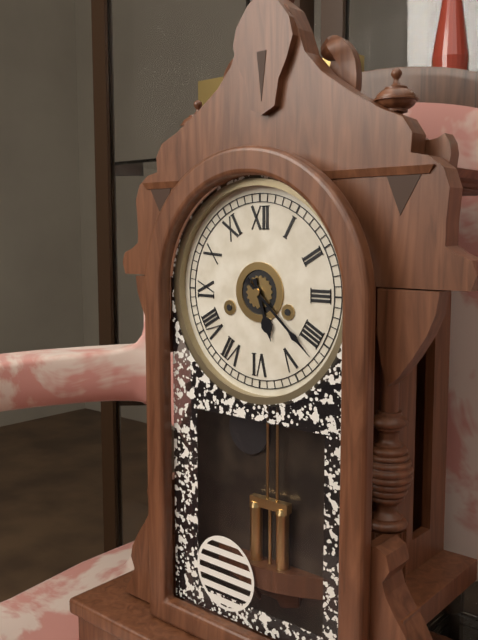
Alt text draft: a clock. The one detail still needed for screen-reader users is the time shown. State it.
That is 5:22
